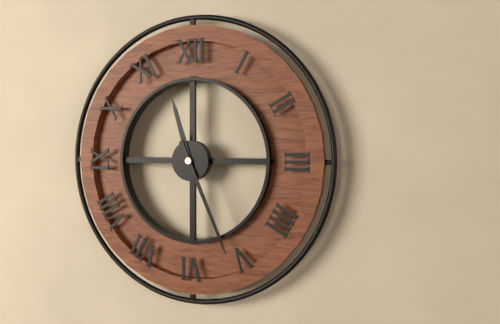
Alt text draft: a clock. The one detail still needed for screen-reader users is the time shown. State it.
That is 11:26
